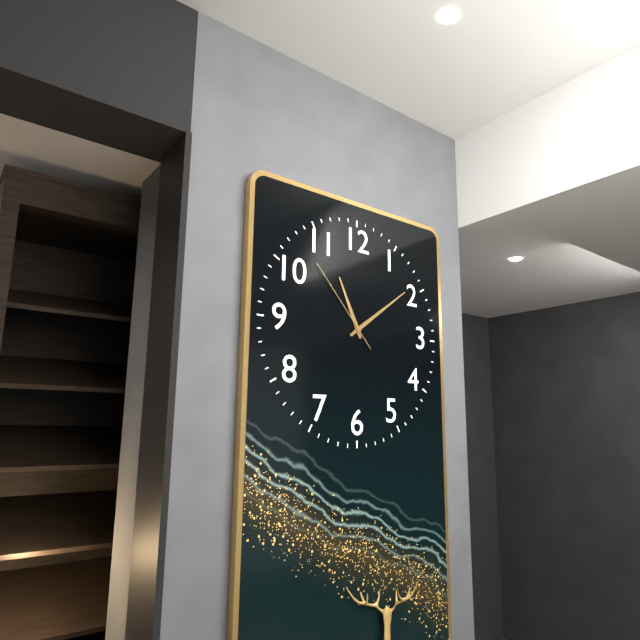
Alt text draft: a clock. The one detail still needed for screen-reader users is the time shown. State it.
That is 11:09:53
